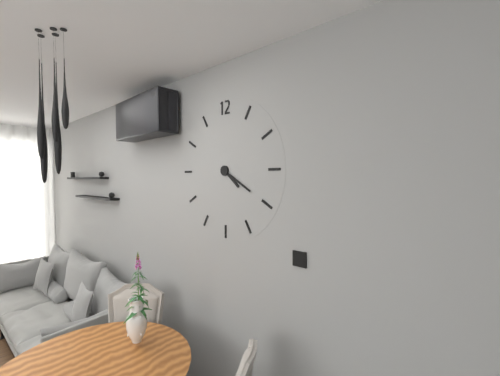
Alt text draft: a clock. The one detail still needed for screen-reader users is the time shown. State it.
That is 4:20
